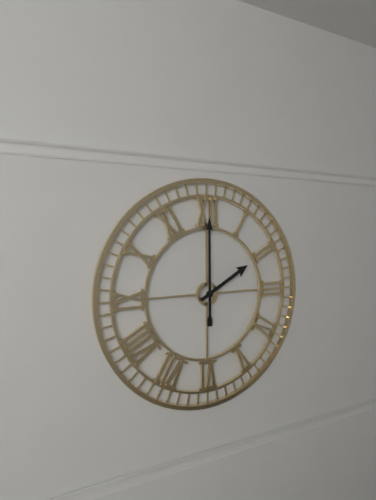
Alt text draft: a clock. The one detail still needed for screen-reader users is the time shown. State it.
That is 2:00
